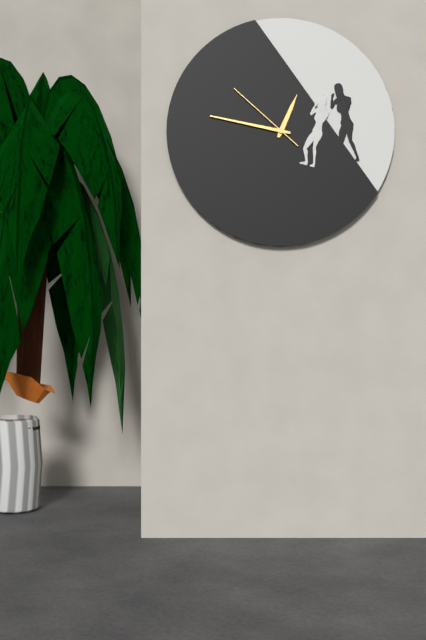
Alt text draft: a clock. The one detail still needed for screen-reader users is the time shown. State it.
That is 12:47:52
